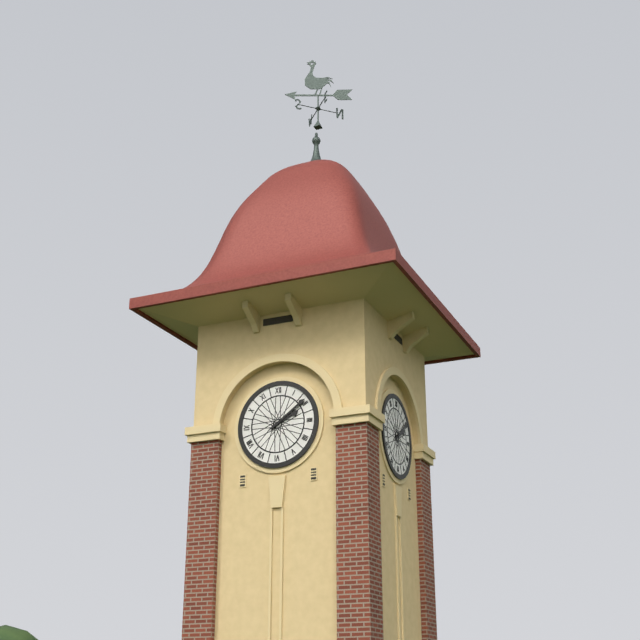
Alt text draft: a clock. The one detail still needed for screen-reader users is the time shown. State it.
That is 2:09
